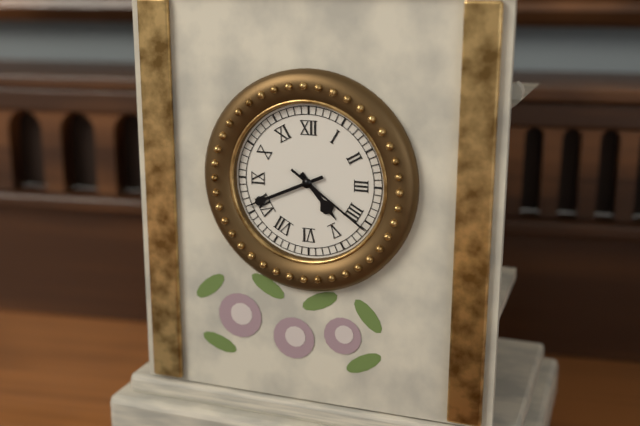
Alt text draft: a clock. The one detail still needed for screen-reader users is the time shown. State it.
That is 4:41:21
